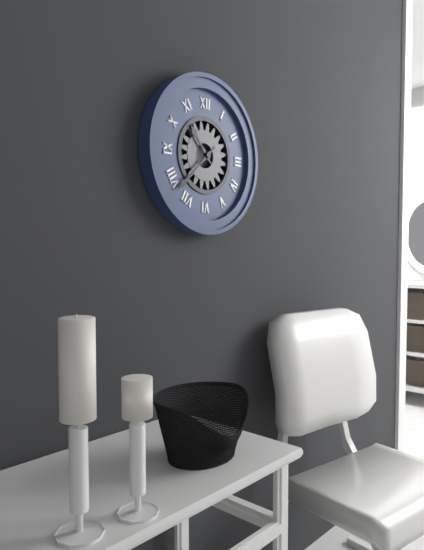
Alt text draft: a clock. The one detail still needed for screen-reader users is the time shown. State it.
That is 10:38
